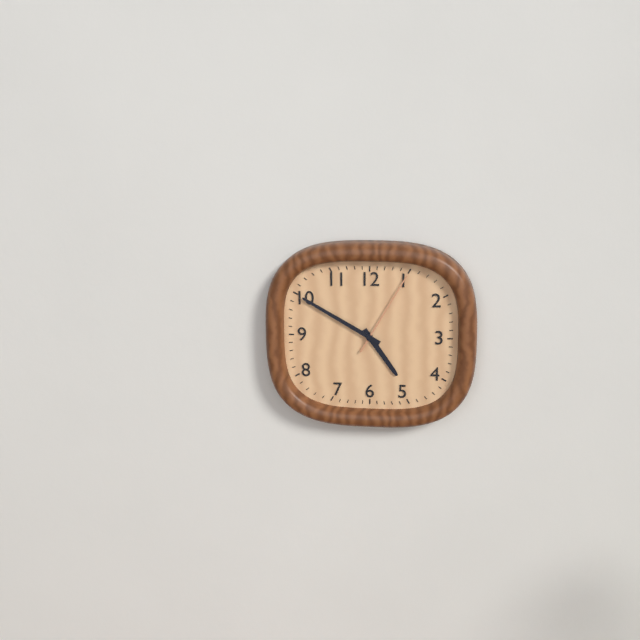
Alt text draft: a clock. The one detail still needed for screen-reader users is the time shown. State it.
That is 4:50:05
